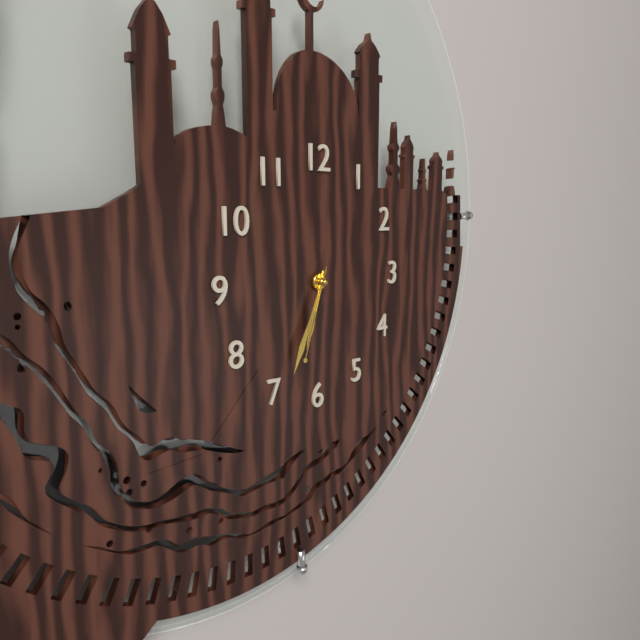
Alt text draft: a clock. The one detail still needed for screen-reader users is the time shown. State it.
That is 6:34:33
